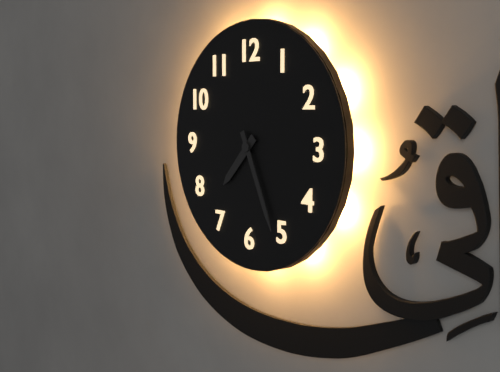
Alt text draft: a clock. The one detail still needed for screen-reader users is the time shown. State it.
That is 7:26
